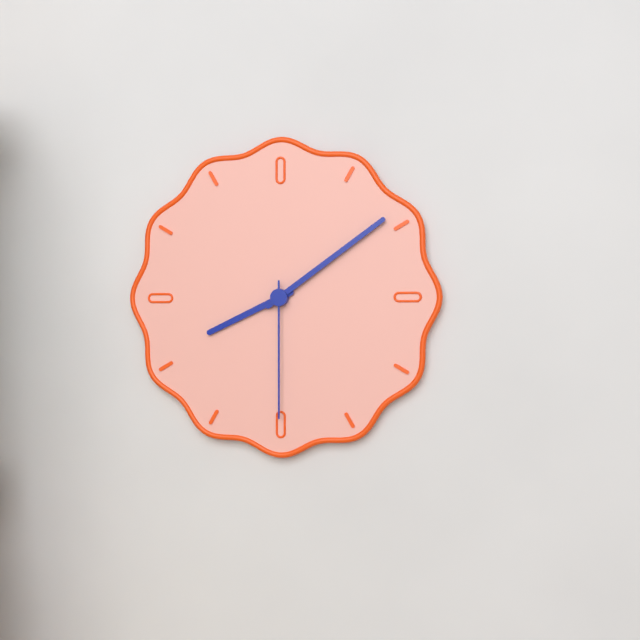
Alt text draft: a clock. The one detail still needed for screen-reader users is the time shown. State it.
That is 8:09:30
